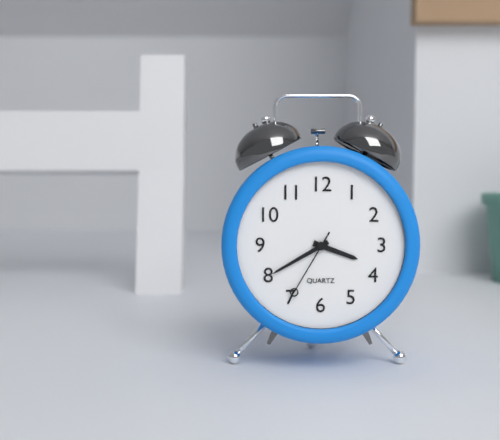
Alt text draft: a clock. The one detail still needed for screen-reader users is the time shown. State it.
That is 3:40:35
